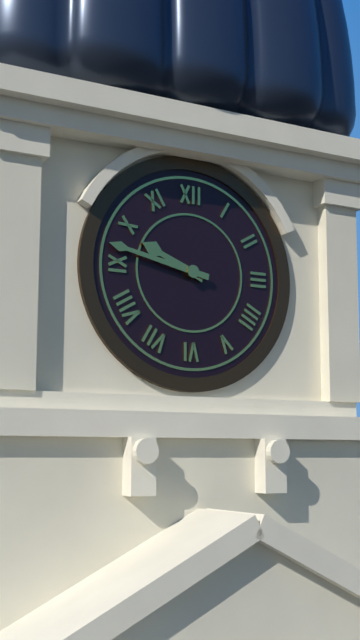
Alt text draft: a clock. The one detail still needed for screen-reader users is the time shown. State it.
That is 9:47
